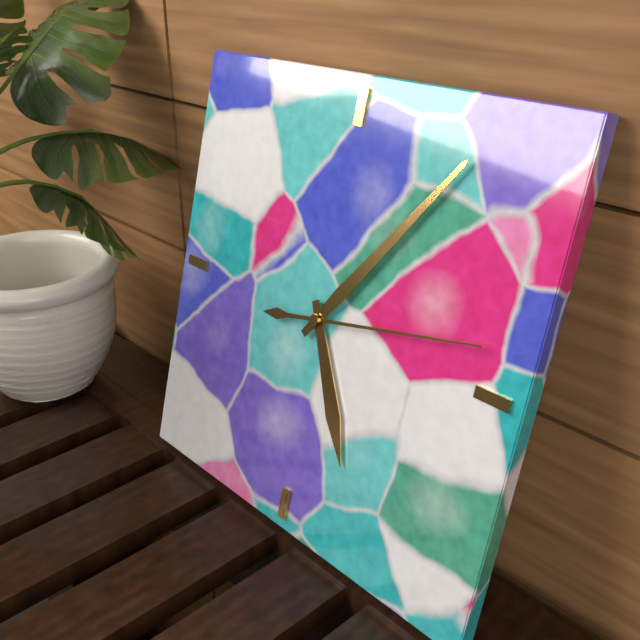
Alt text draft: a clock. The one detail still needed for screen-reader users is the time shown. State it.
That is 5:06:13
